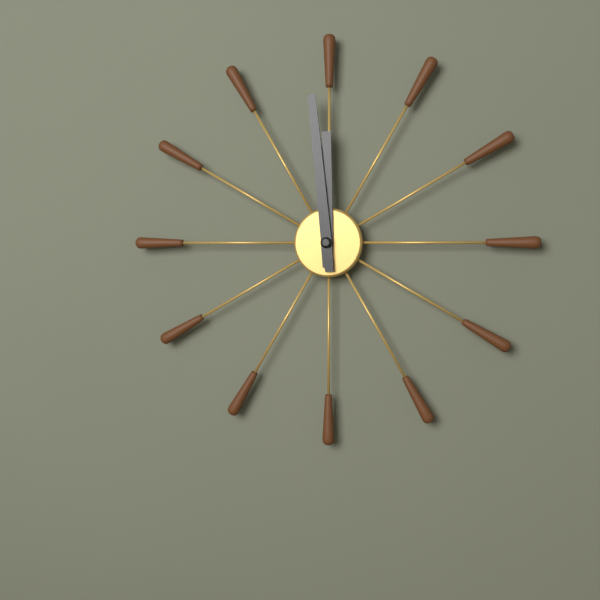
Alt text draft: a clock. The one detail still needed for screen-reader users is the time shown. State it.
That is 11:59
